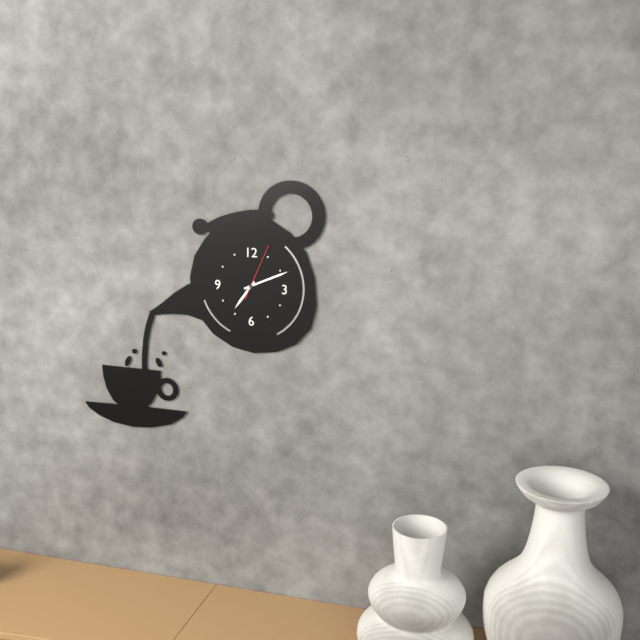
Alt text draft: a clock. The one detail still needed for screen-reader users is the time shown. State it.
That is 7:11:04
